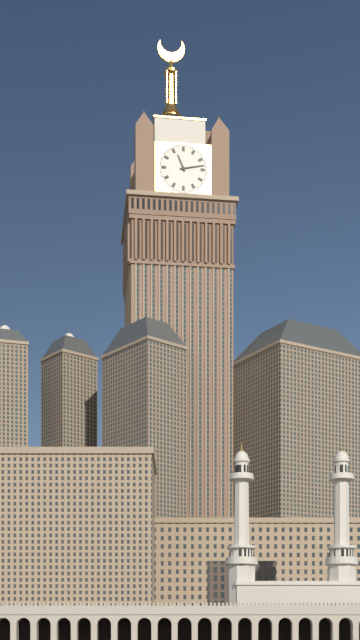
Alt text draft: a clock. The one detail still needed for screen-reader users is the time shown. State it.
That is 11:13
